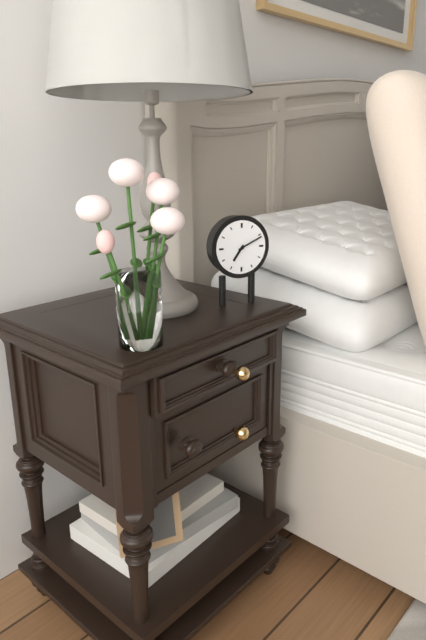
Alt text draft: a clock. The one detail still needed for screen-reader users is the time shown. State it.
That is 7:11
